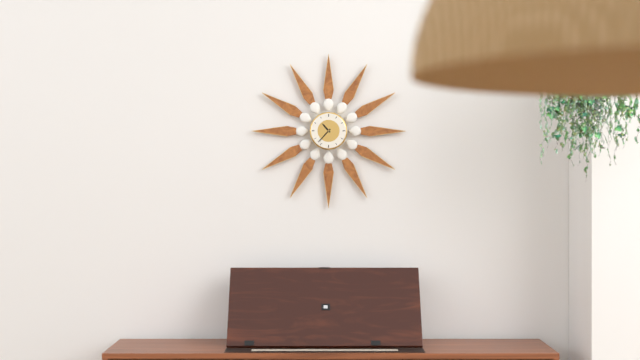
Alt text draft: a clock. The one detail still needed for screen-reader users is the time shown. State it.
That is 10:37
